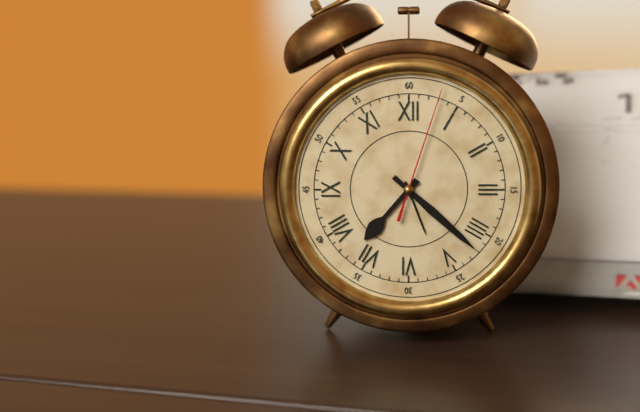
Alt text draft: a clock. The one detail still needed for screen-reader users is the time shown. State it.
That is 7:22:03
